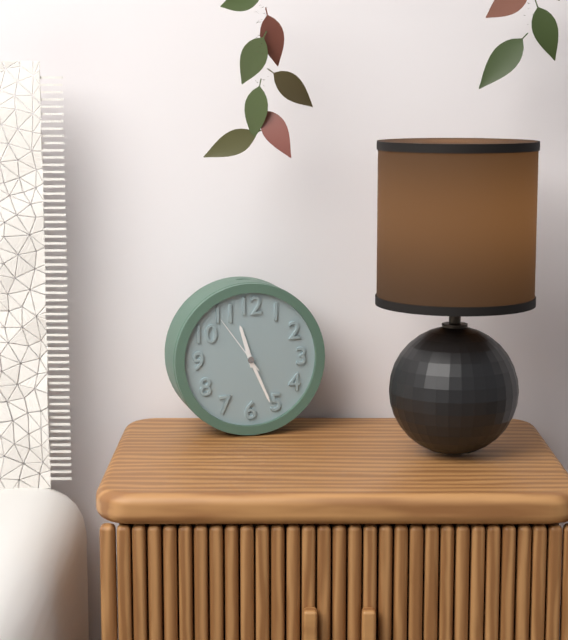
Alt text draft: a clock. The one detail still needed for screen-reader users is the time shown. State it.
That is 11:26:54
